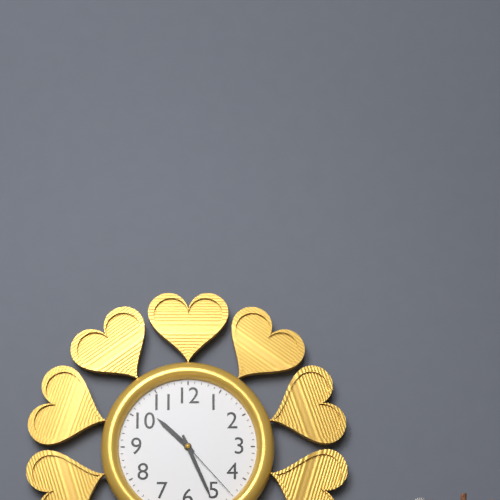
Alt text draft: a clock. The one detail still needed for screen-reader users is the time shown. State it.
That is 10:26:23
